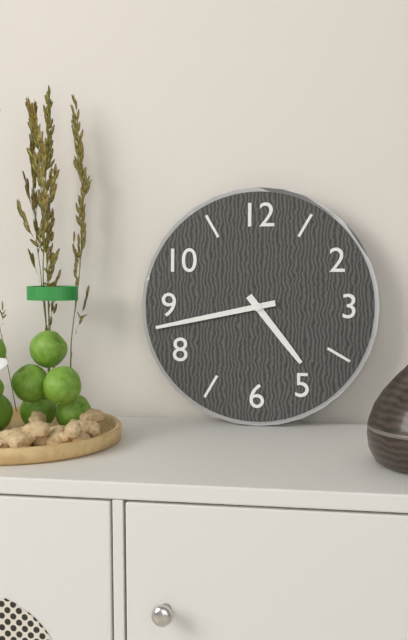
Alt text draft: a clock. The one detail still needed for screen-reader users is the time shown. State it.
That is 4:43
